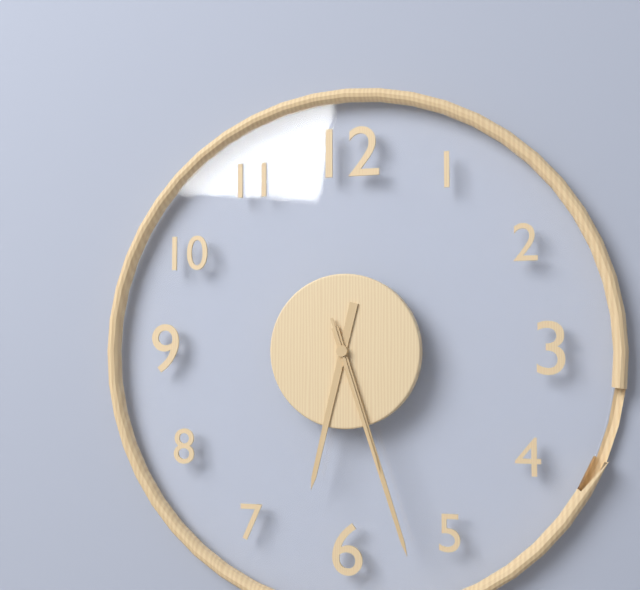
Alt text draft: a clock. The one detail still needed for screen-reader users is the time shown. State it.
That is 6:27:27
